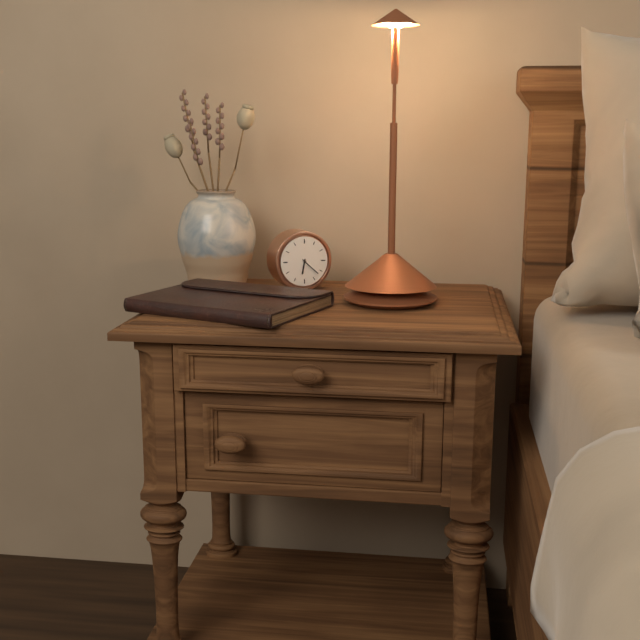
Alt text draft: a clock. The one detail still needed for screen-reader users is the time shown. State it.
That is 6:22
